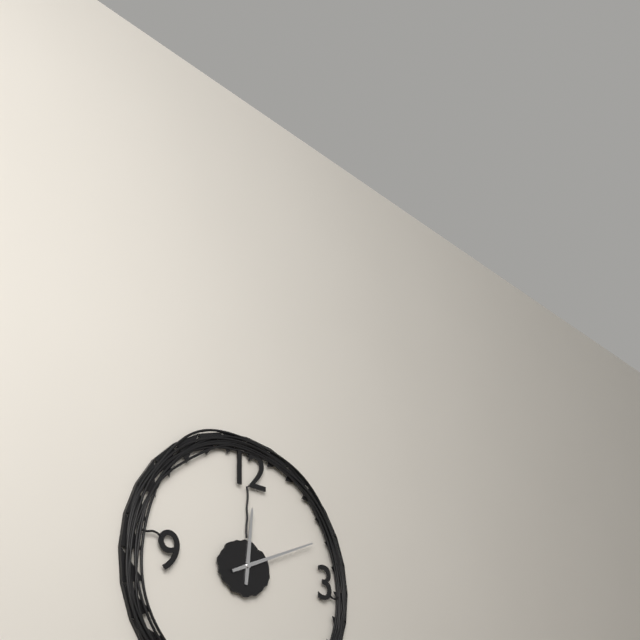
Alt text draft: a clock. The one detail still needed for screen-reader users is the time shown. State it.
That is 12:11
